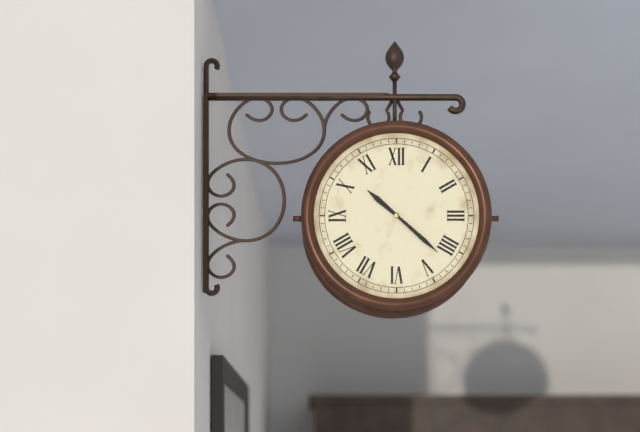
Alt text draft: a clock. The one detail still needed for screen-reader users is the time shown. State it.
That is 10:22
